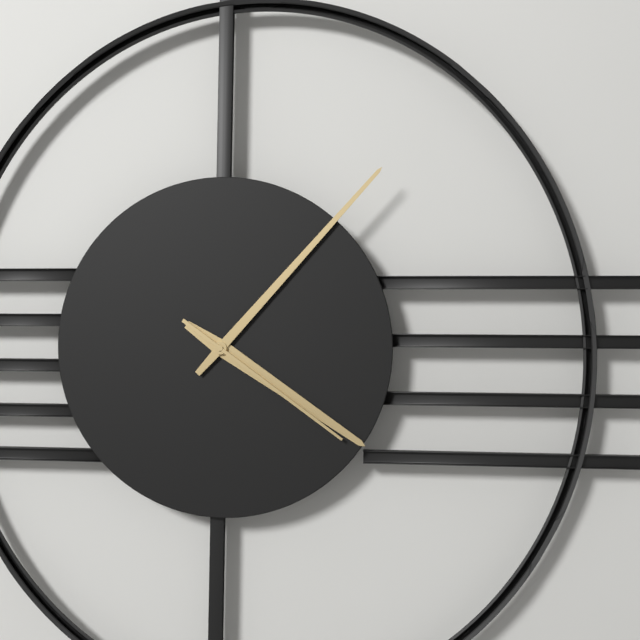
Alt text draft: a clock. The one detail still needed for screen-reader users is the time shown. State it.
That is 4:07:21
